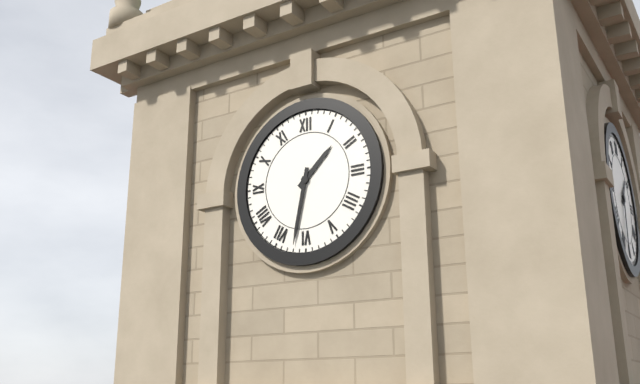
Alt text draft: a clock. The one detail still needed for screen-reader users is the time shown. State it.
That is 1:32
